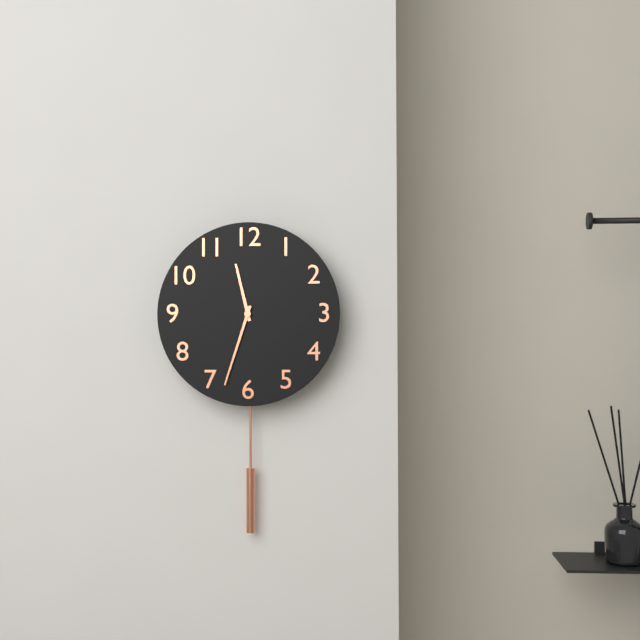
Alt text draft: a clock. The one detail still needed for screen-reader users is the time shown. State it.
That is 11:33
